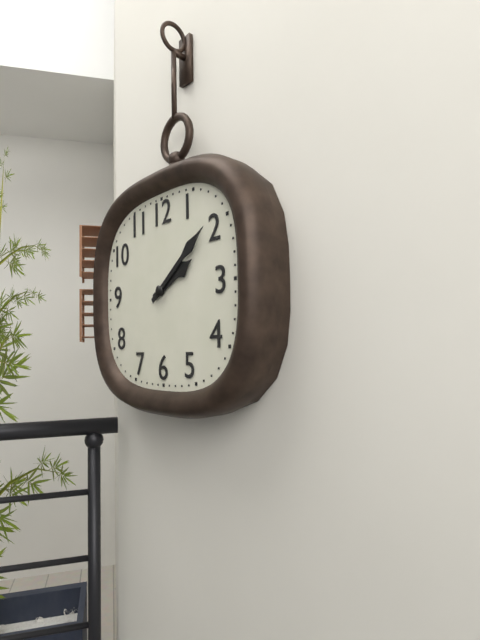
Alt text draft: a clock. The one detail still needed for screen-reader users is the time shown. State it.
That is 2:09
